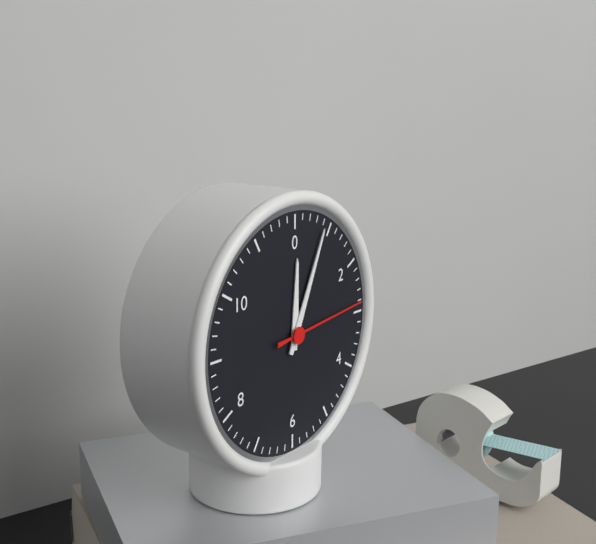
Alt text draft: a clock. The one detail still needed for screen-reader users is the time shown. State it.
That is 12:04:14
